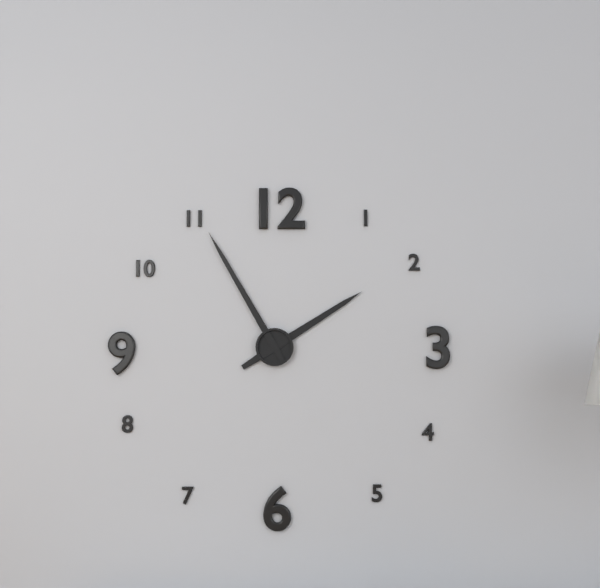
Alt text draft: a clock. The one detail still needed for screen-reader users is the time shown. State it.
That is 1:55
